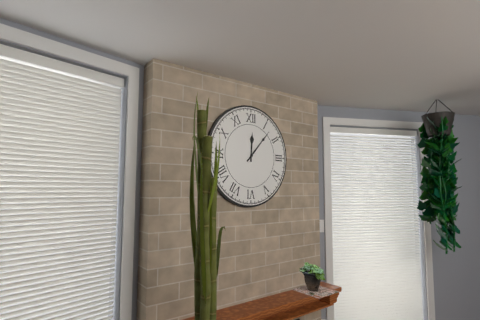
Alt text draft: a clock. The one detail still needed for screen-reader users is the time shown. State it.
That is 12:07
